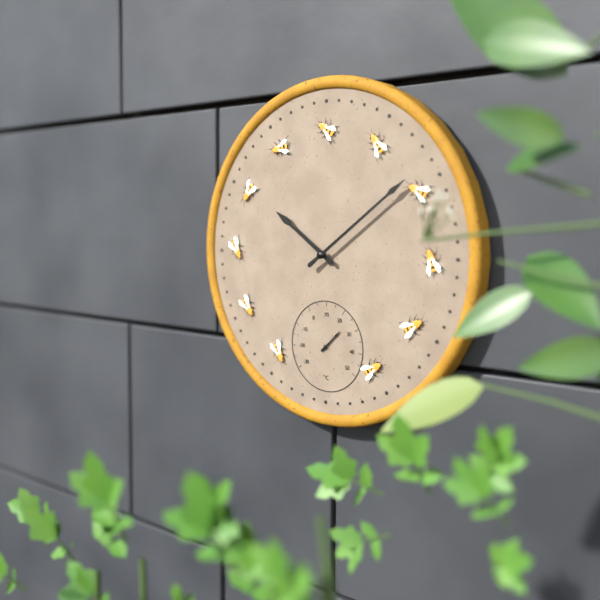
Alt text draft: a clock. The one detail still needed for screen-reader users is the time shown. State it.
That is 10:09
